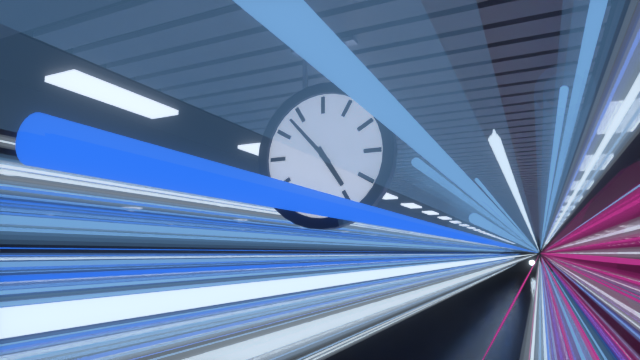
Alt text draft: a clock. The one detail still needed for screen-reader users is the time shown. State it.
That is 4:53
